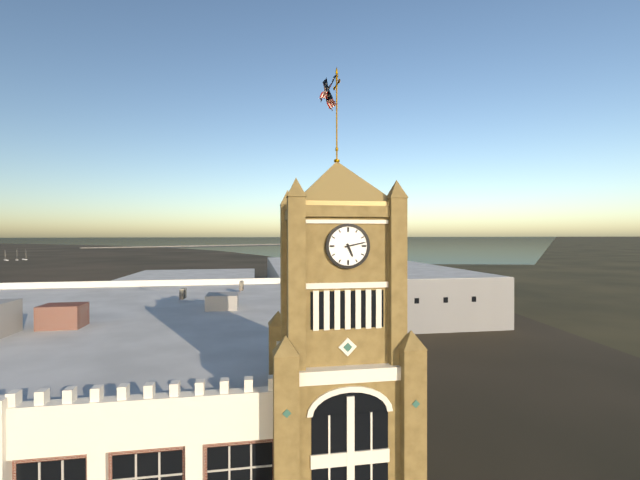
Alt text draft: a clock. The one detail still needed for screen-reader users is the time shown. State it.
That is 5:13
